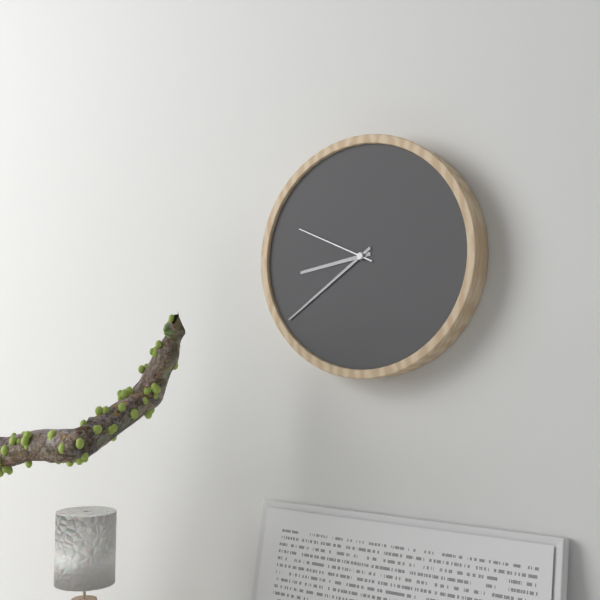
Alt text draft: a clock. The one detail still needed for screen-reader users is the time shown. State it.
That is 8:39:49
